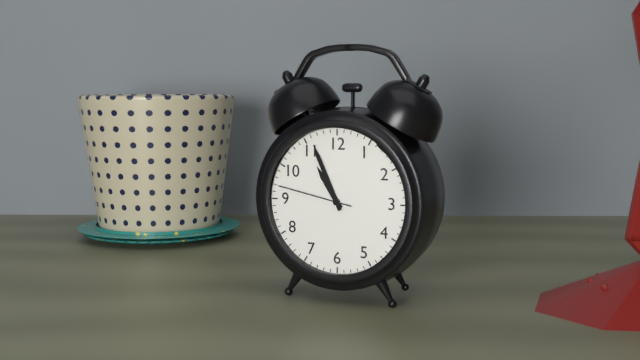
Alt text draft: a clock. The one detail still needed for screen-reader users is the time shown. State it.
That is 10:56:47
